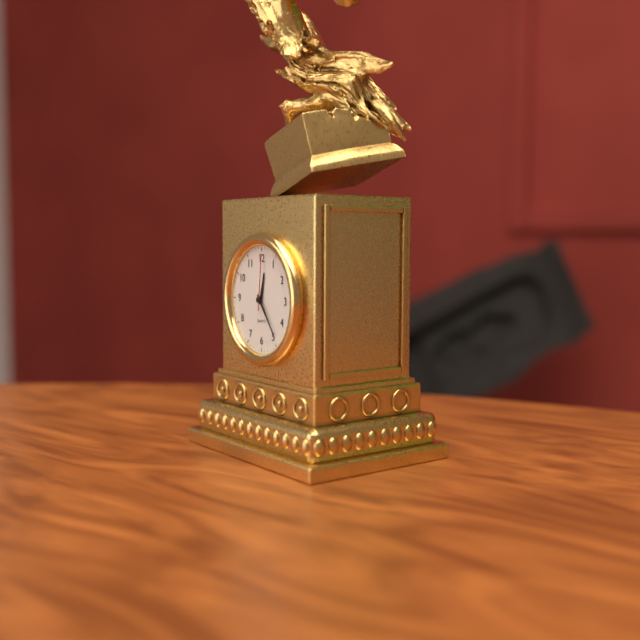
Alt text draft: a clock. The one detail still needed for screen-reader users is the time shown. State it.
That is 12:24:01
